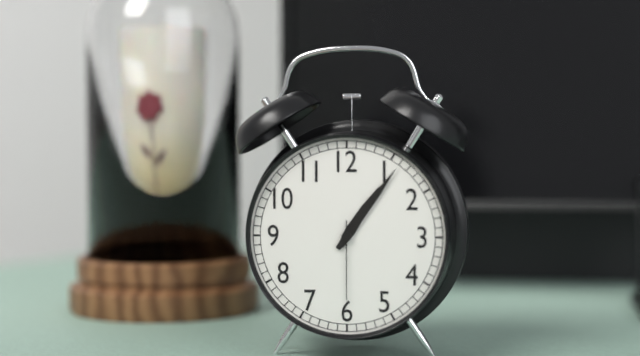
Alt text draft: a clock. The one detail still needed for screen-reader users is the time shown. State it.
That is 1:06:30
